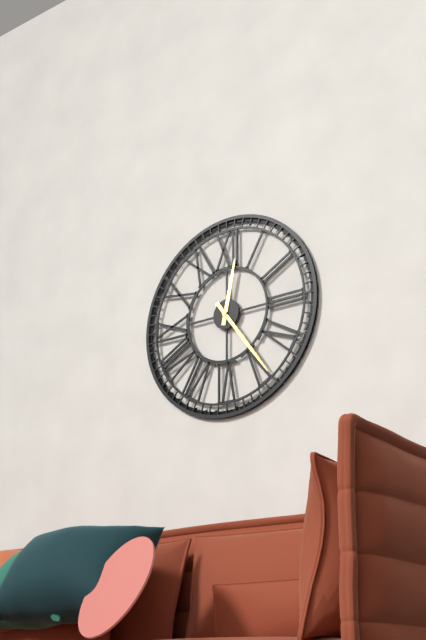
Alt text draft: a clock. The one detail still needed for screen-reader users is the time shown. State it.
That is 12:24
